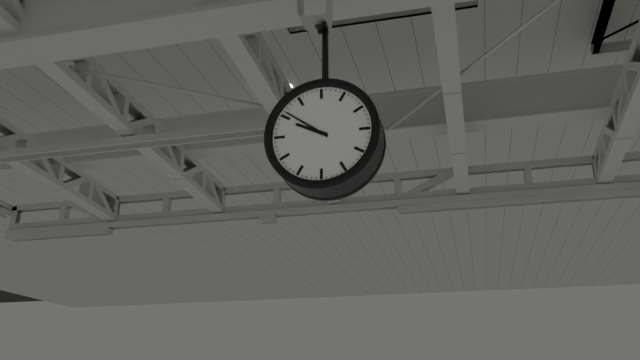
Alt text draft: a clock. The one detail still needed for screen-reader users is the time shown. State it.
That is 9:51
